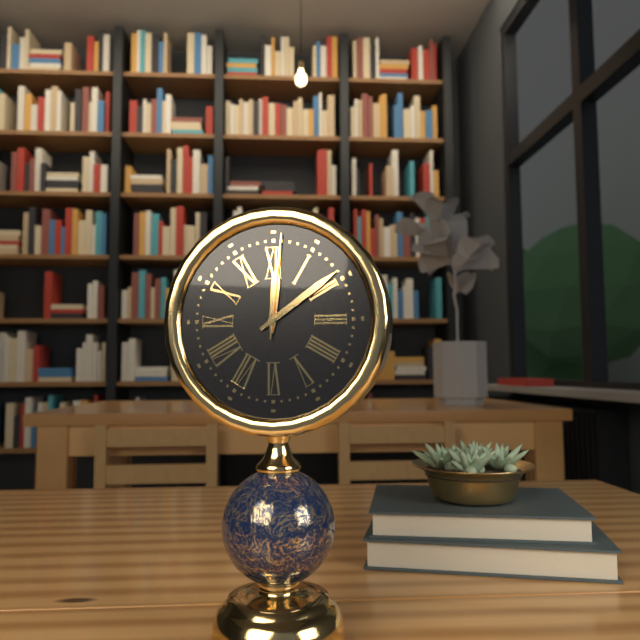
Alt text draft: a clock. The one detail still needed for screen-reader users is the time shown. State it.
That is 12:09:01
